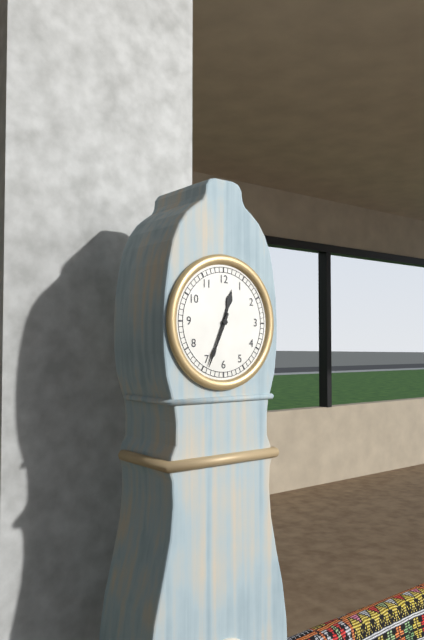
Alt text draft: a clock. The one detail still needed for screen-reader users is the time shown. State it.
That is 12:34
